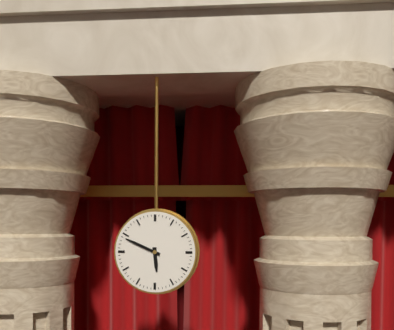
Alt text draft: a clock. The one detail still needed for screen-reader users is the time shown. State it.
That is 5:49
